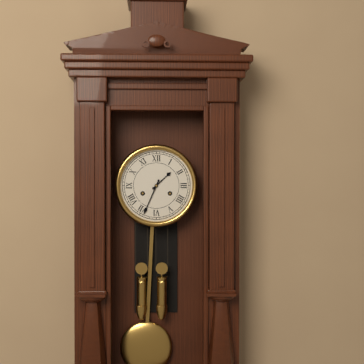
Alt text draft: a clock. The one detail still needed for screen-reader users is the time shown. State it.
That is 1:34
